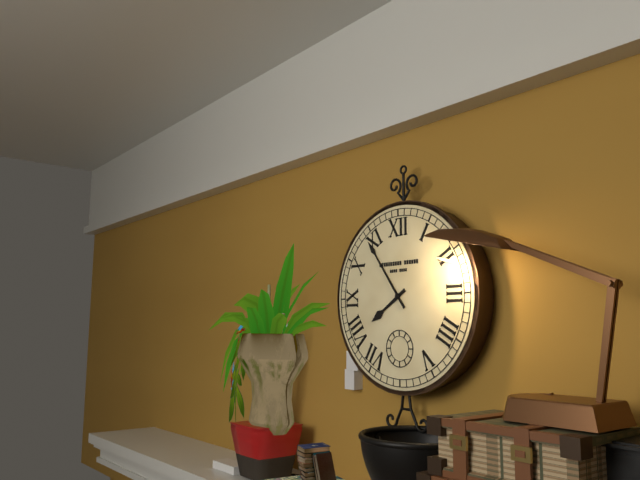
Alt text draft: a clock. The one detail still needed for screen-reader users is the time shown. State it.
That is 7:54
